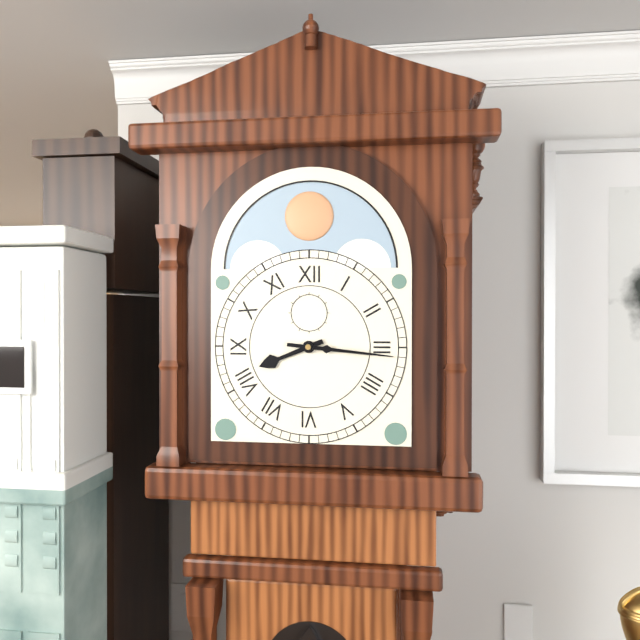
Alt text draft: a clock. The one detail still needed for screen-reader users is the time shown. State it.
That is 8:16
